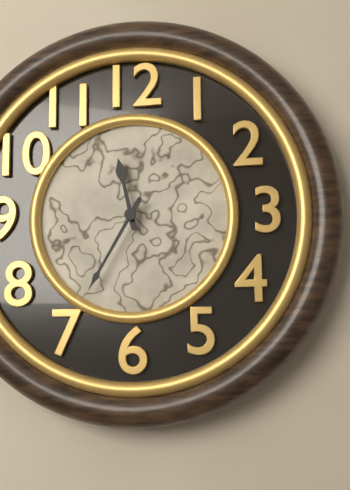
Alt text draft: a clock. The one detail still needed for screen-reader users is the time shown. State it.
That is 11:35
